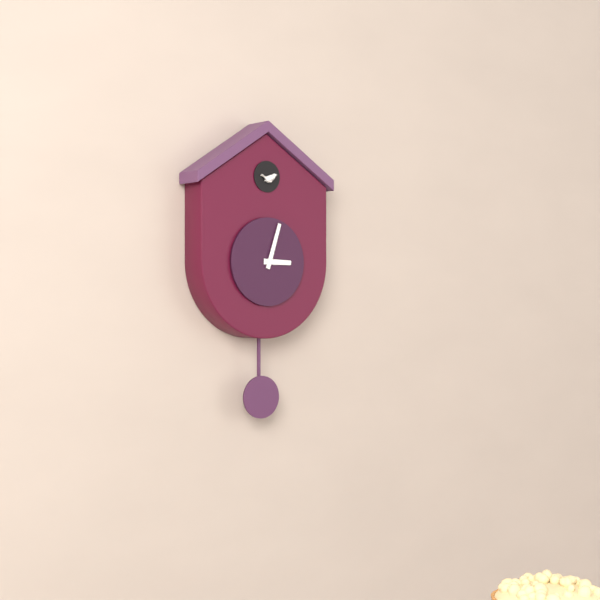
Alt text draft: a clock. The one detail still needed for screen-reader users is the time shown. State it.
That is 3:03
